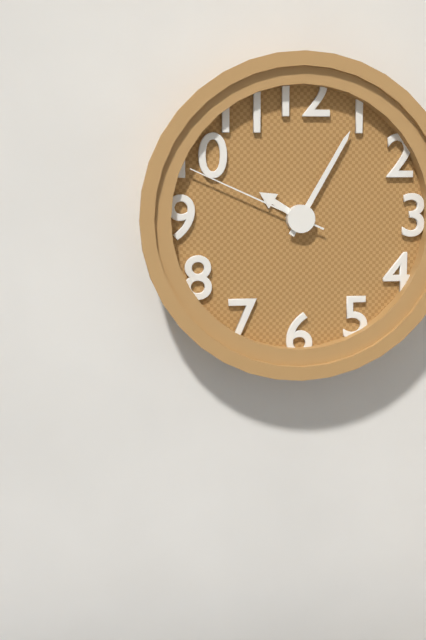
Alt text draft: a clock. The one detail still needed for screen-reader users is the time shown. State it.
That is 10:05:49
